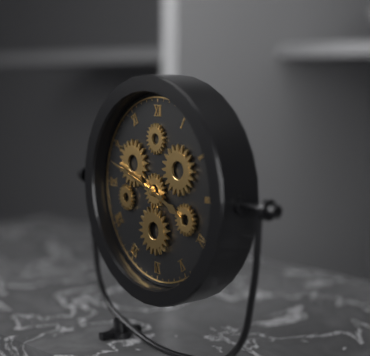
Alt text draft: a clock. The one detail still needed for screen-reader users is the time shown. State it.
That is 3:48
